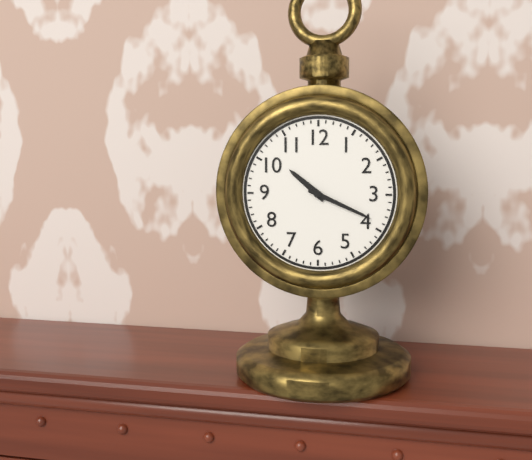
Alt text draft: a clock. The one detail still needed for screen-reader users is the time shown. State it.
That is 10:19
